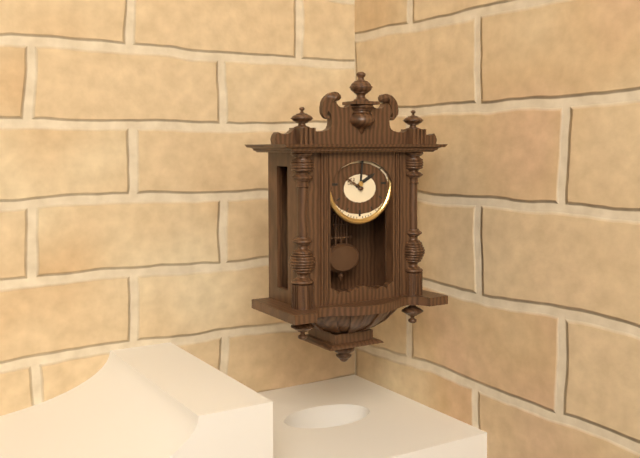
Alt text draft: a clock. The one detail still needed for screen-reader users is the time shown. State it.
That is 2:01
